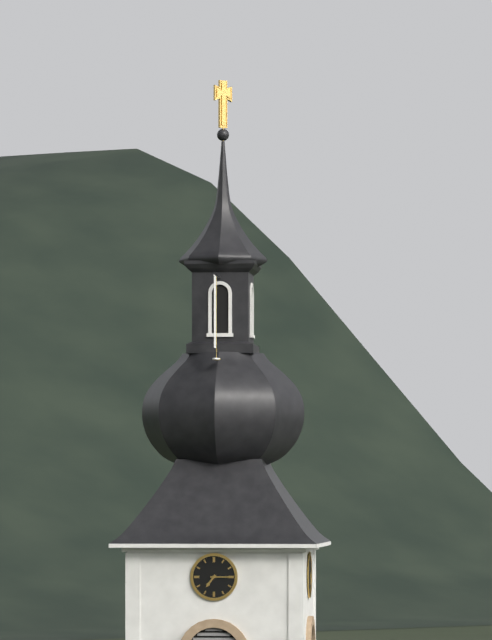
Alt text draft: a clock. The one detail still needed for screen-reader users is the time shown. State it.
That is 7:15
